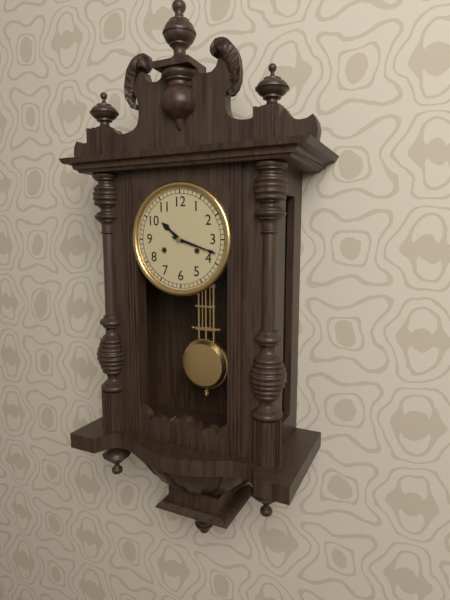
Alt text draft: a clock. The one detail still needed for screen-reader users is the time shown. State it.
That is 10:18
